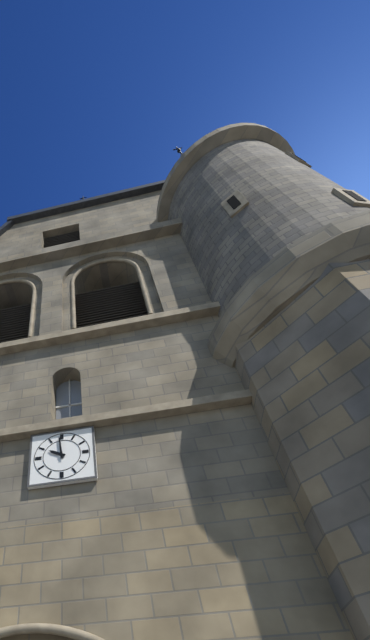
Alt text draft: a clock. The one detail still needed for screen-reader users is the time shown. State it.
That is 9:59
